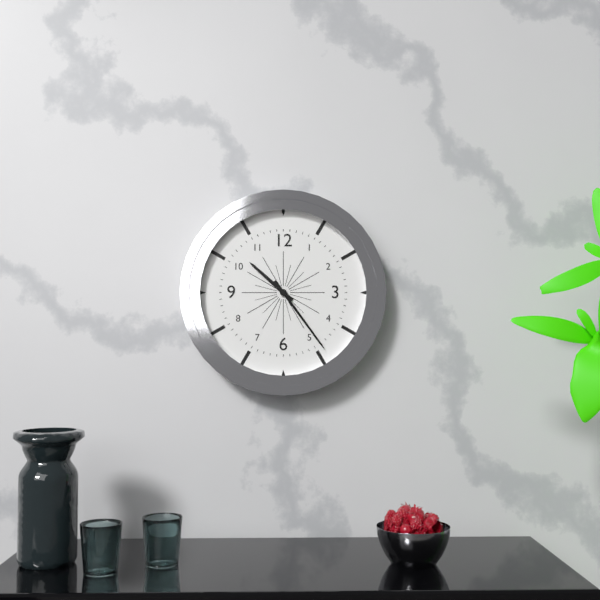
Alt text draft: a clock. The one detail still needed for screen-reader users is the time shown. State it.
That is 10:24
